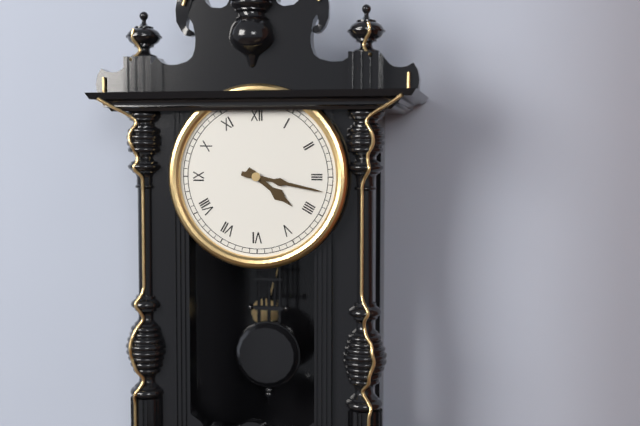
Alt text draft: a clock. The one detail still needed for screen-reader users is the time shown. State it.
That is 4:17
